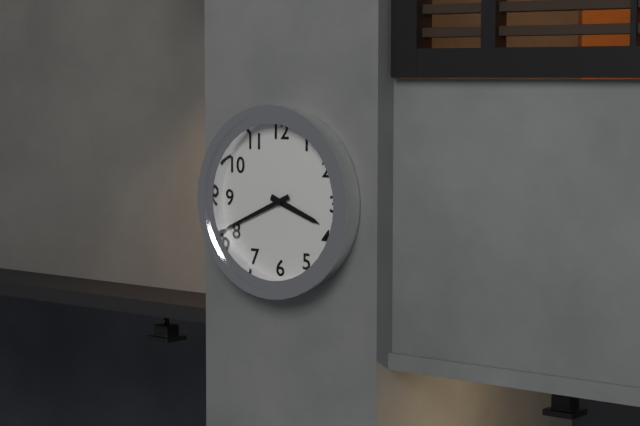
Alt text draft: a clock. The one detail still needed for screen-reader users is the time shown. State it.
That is 3:41
